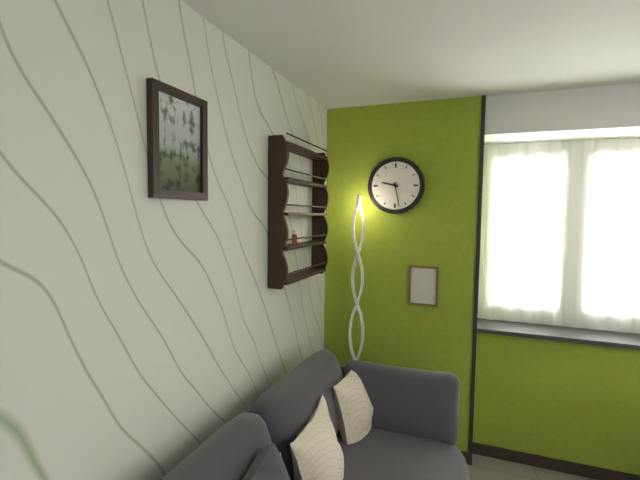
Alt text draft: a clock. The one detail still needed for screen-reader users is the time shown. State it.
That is 9:28
